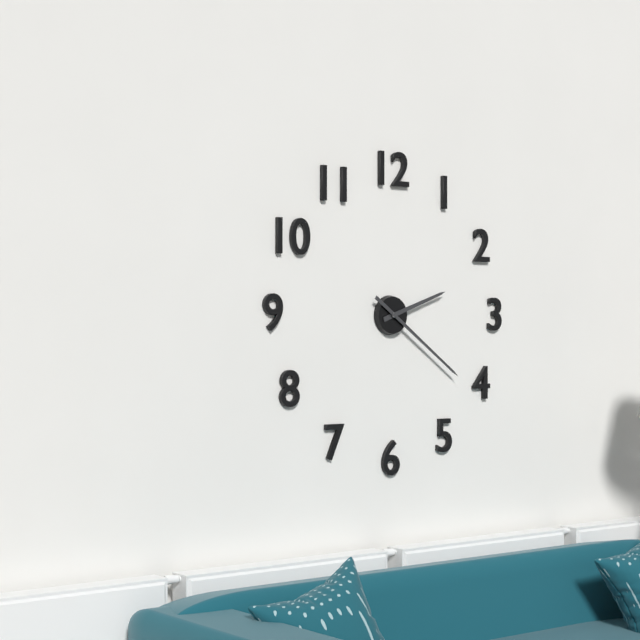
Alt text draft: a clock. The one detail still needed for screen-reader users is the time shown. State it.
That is 2:21
